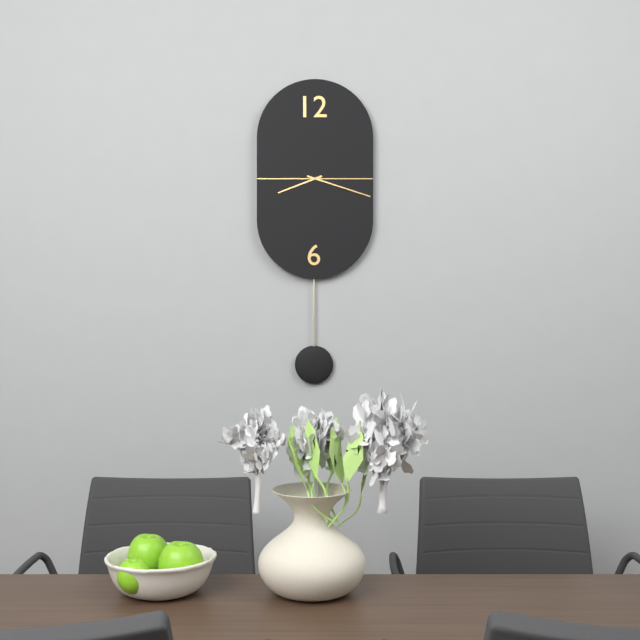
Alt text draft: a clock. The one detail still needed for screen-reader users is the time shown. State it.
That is 8:18
